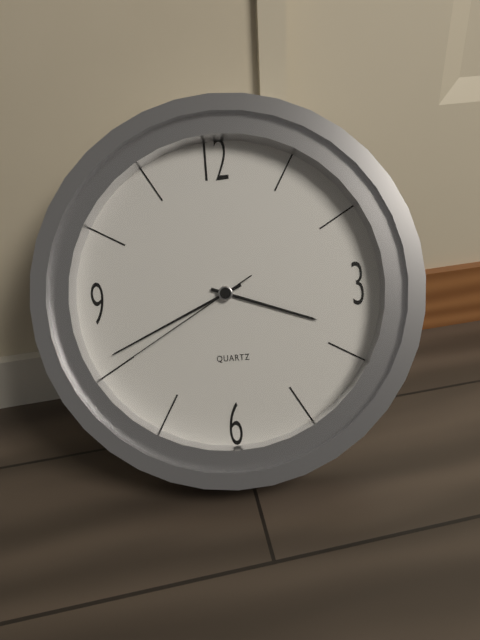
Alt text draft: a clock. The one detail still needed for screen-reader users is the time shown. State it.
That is 3:41:40
